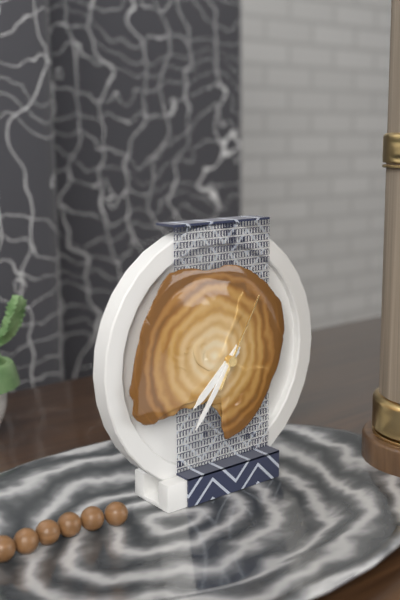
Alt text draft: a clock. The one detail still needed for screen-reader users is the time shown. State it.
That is 7:36:05
